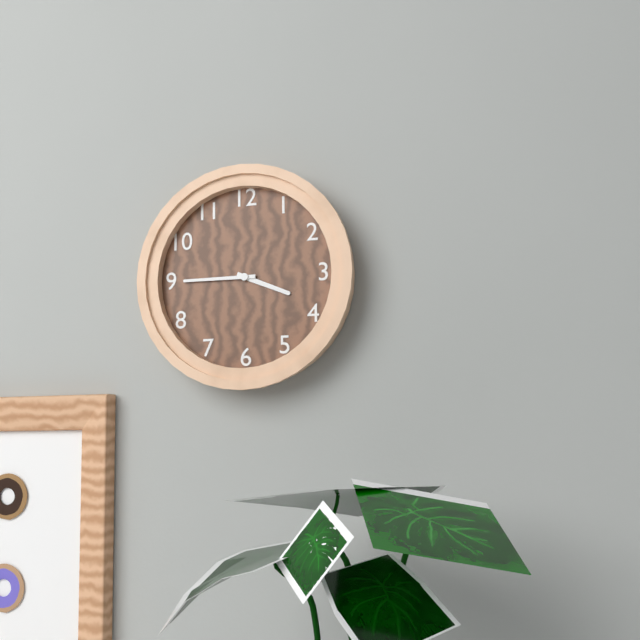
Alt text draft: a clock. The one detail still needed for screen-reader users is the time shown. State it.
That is 3:45
